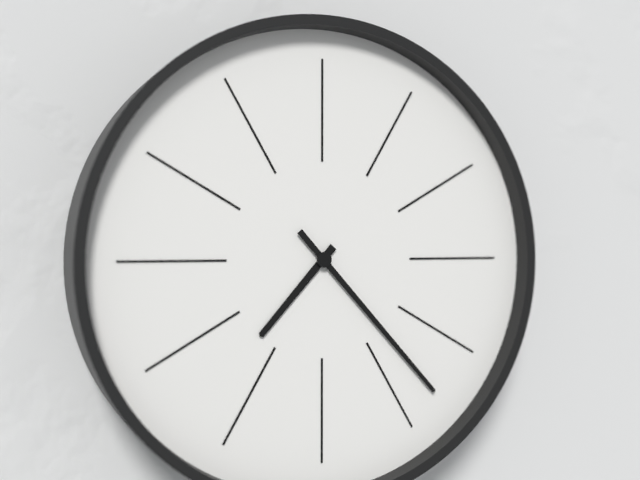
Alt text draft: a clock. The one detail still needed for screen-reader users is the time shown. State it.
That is 7:23
